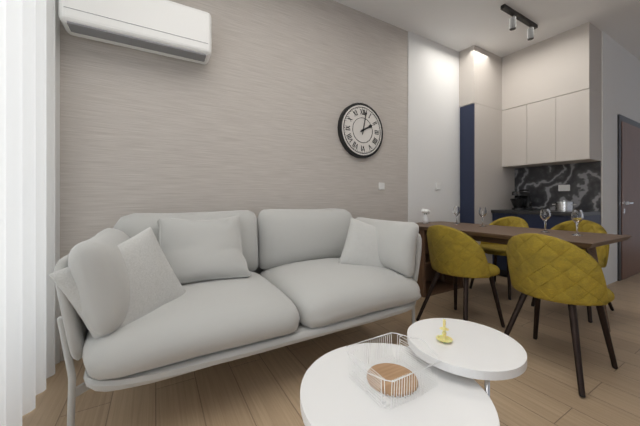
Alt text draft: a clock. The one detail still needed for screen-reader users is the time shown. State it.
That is 2:02
